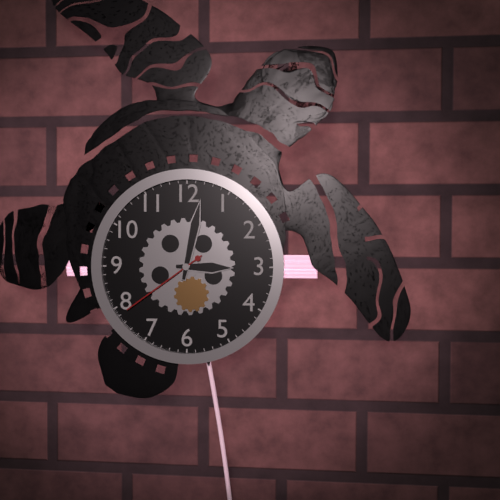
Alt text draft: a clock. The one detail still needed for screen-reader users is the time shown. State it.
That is 3:02:39
